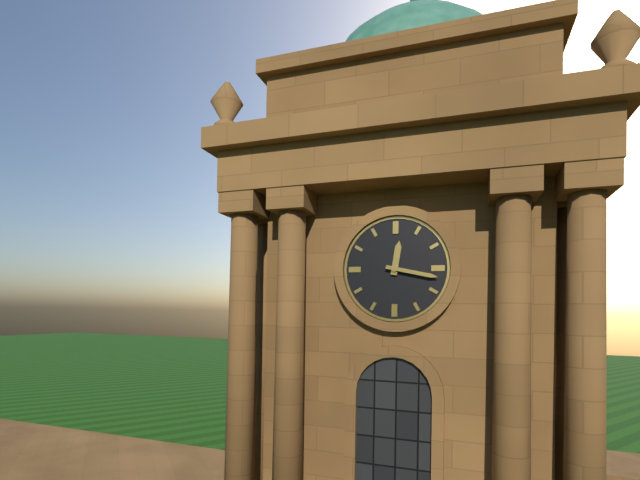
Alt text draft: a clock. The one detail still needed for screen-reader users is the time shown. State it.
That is 12:17
